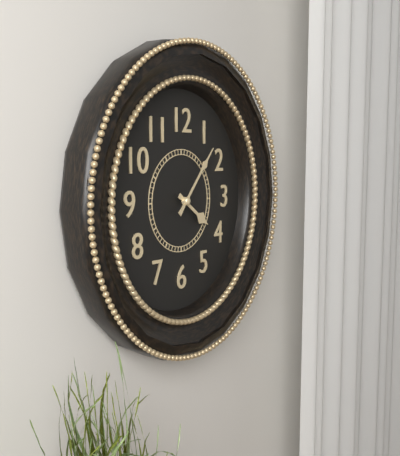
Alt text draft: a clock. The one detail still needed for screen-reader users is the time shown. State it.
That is 4:07
